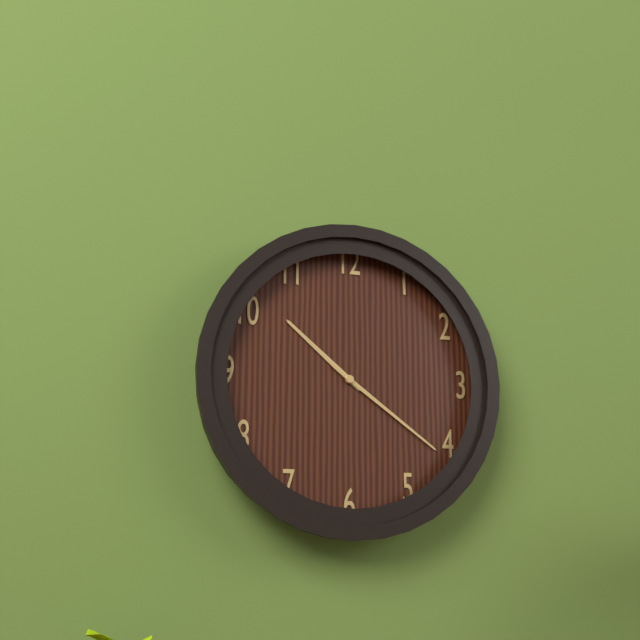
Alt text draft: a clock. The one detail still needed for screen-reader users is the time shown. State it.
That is 10:21
